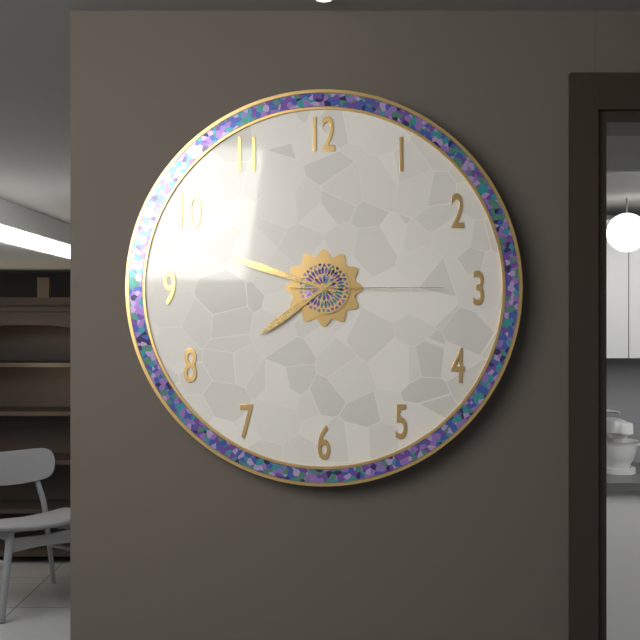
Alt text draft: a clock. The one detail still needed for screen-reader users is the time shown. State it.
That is 7:48:15
